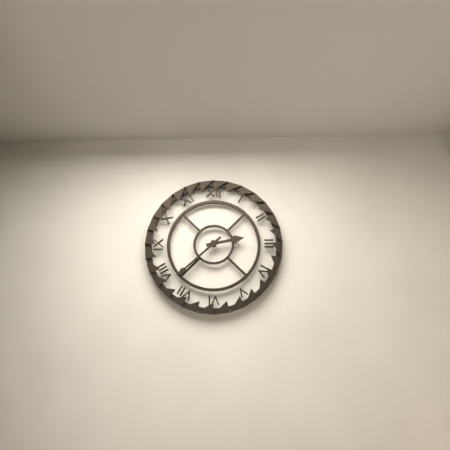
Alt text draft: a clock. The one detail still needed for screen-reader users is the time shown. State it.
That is 2:38
